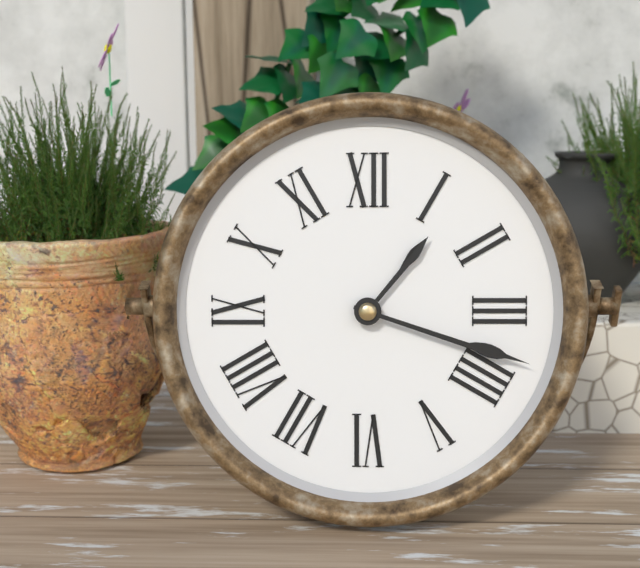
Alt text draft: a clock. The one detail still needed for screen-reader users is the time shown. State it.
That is 1:18
